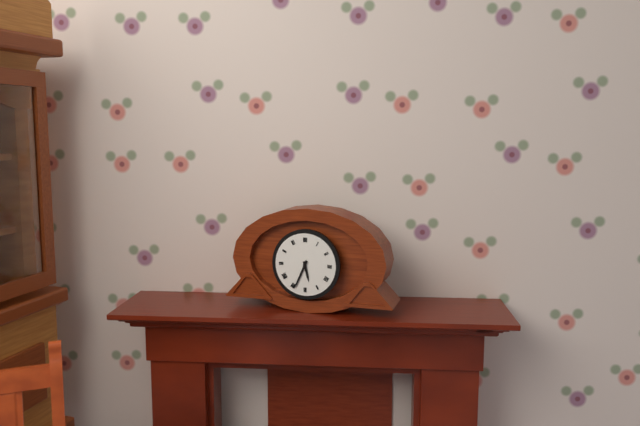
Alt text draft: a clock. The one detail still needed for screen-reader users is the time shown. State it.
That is 5:34
